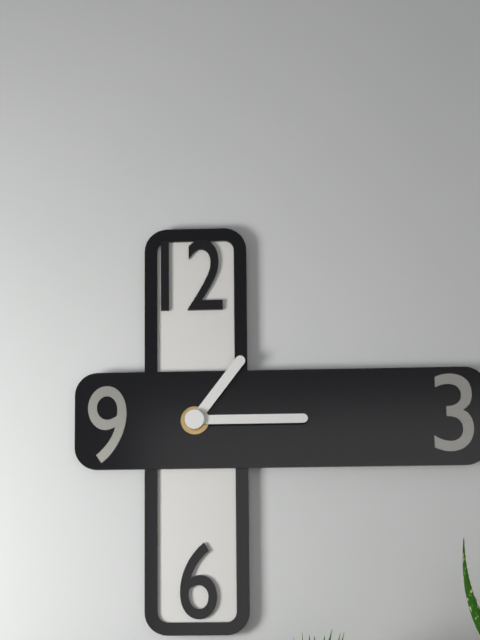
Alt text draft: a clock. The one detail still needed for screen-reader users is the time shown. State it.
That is 1:15
